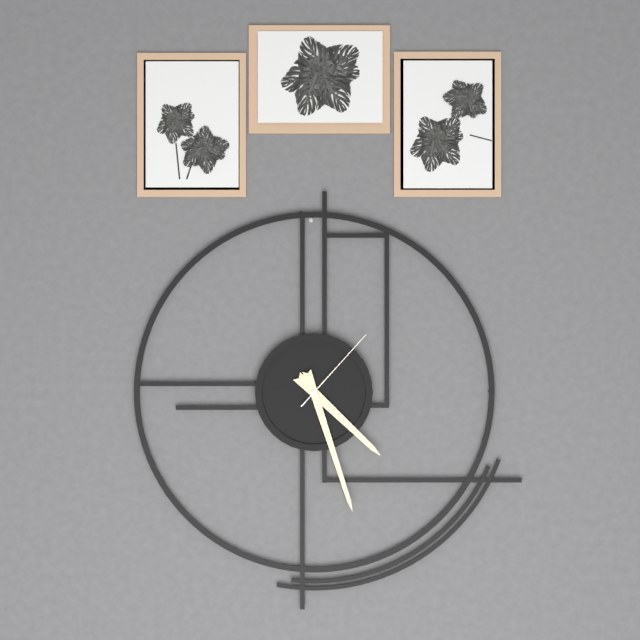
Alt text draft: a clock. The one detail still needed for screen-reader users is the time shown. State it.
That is 4:27:07
